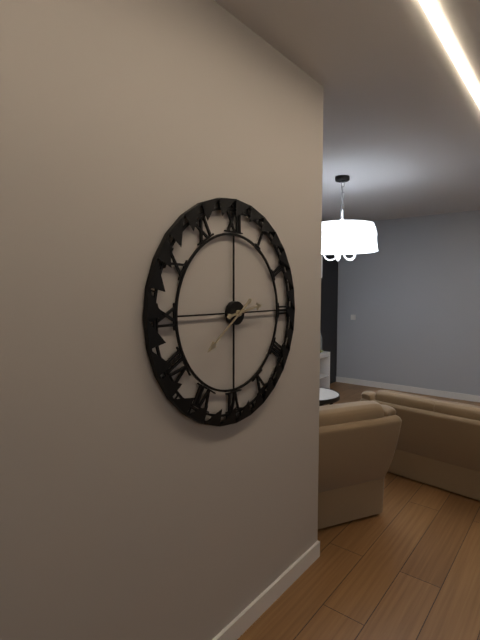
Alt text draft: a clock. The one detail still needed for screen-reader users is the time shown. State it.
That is 2:39
